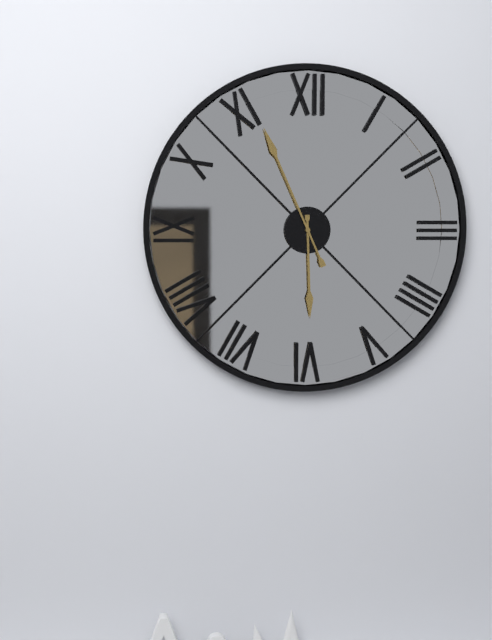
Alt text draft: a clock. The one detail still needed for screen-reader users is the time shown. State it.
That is 5:56
